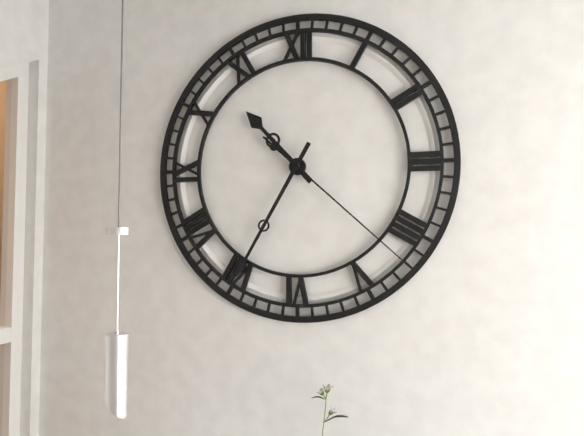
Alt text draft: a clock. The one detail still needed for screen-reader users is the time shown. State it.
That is 10:35:22
